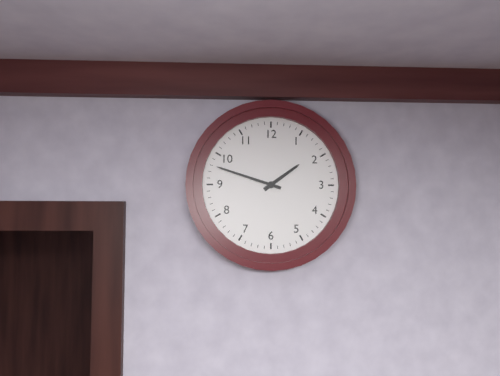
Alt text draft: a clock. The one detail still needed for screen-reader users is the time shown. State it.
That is 1:48
